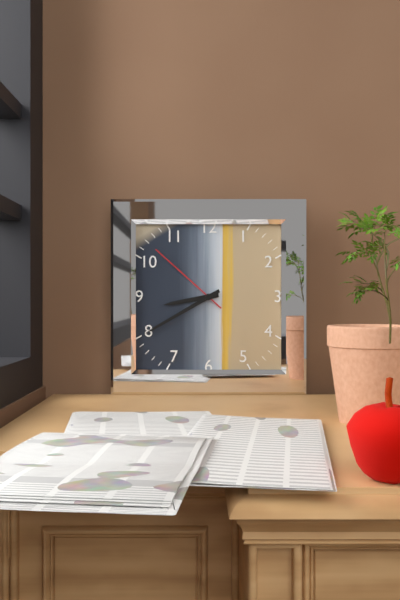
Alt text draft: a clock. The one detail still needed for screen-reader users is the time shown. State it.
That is 8:40:52
